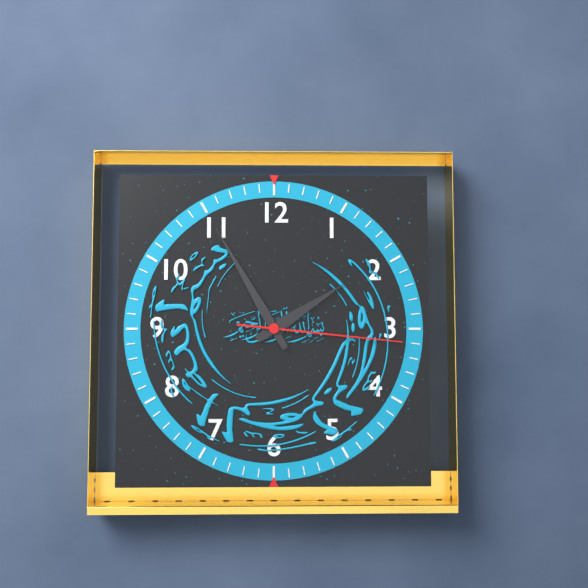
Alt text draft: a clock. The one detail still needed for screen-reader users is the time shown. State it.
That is 1:55:16
